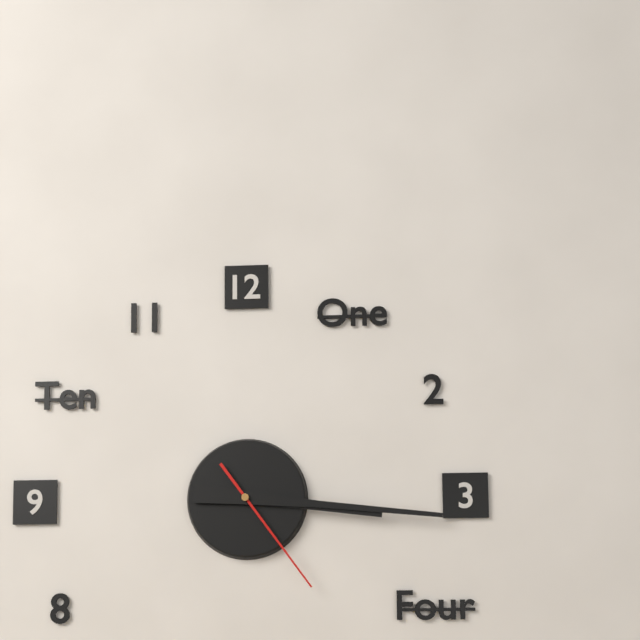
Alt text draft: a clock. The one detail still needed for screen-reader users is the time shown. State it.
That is 3:16:24
